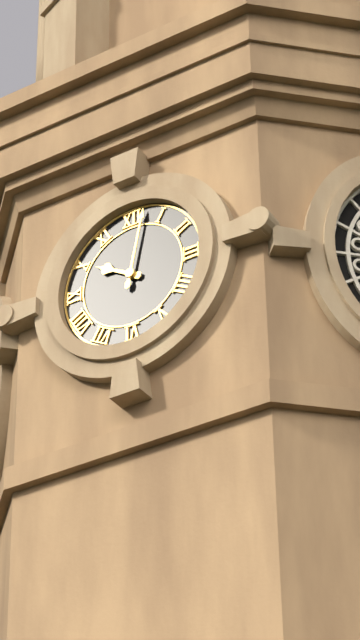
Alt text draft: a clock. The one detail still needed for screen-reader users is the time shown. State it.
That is 10:02
